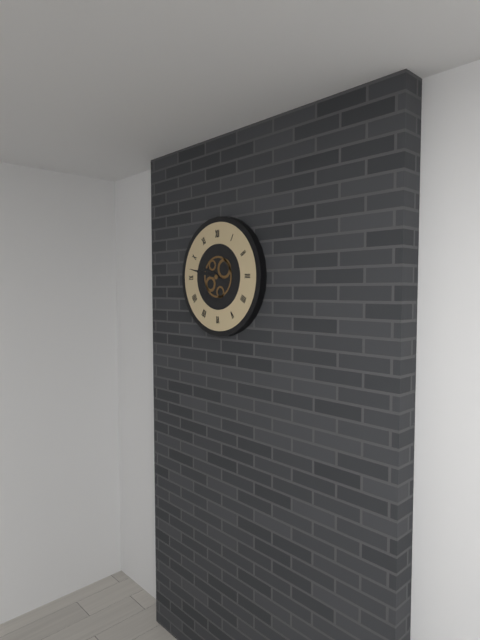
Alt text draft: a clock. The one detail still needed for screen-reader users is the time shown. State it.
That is 9:47
